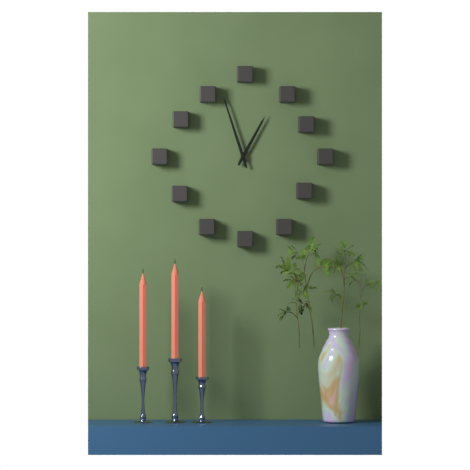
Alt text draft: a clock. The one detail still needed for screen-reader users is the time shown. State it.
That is 12:57
